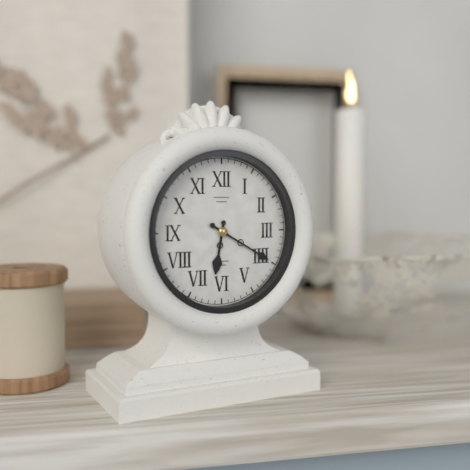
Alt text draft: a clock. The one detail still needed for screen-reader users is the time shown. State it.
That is 6:20
